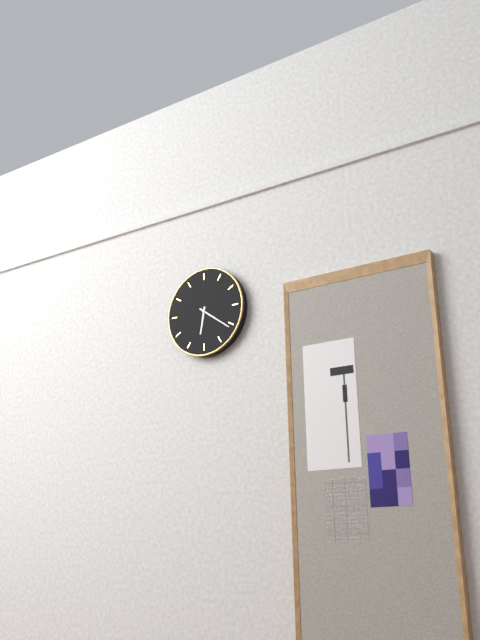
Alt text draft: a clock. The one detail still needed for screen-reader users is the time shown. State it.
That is 6:21
